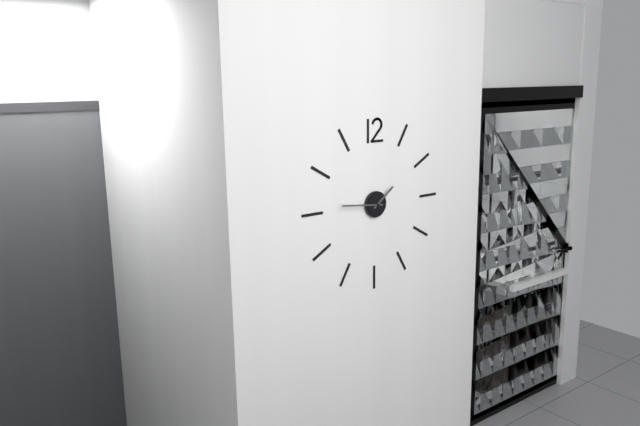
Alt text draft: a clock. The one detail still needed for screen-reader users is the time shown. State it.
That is 1:46
